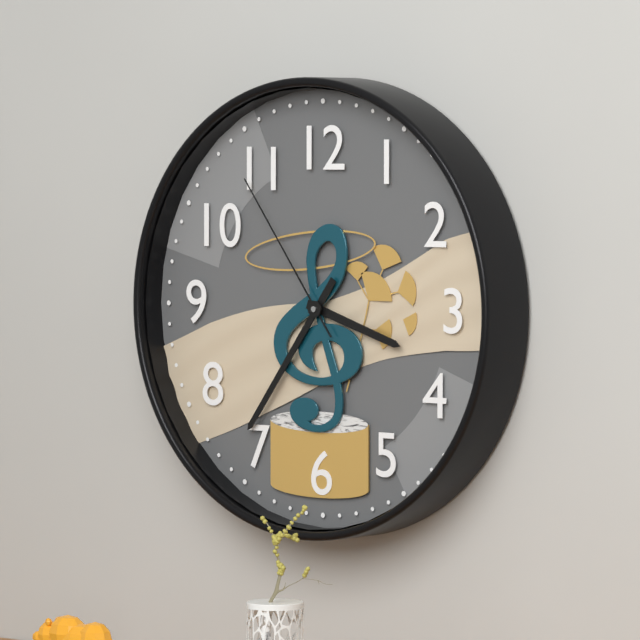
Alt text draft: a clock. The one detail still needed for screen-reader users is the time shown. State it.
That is 3:36:54
